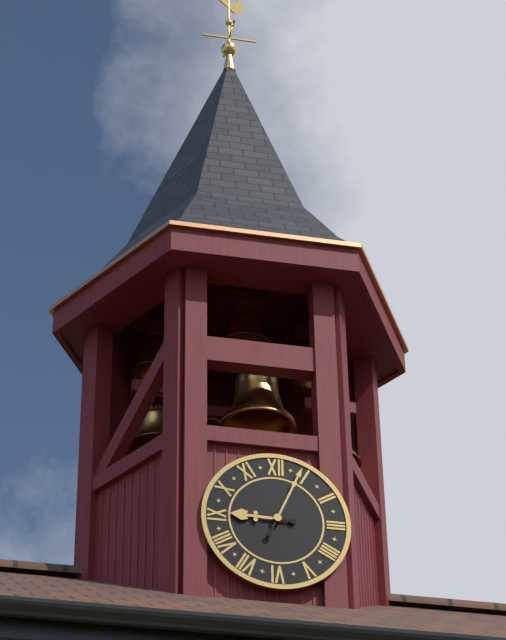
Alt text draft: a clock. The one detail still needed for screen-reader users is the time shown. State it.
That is 9:04
